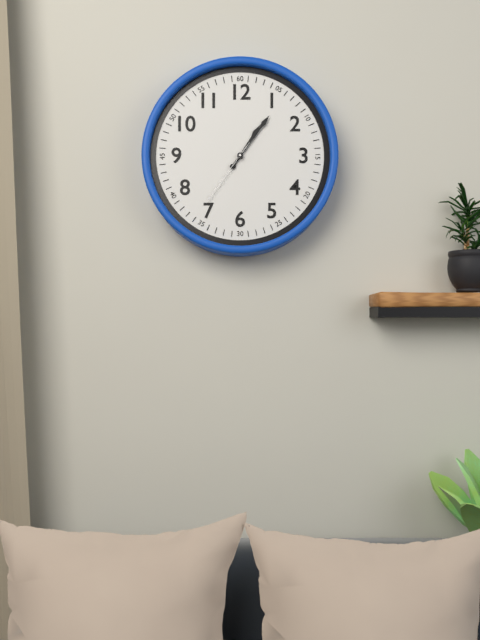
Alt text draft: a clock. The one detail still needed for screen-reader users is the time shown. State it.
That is 1:06:36
